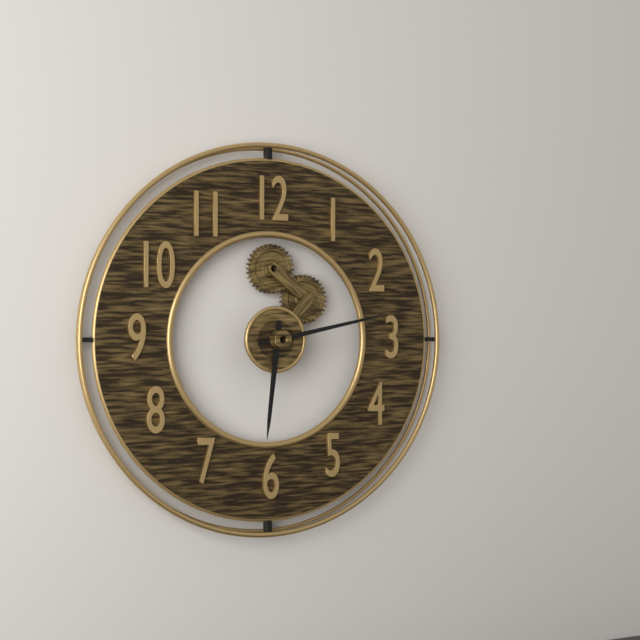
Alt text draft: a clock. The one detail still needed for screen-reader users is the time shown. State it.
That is 6:13
